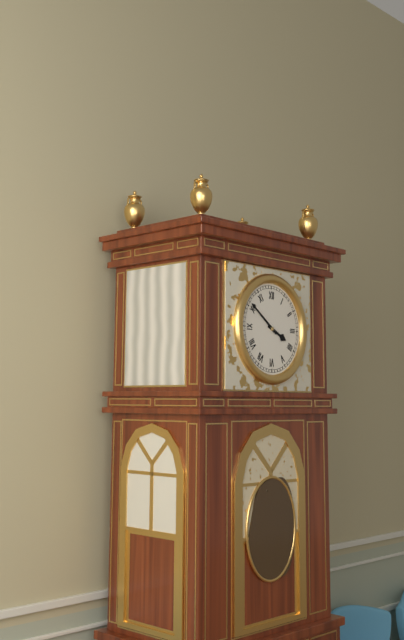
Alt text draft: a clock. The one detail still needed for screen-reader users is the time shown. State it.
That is 3:51
